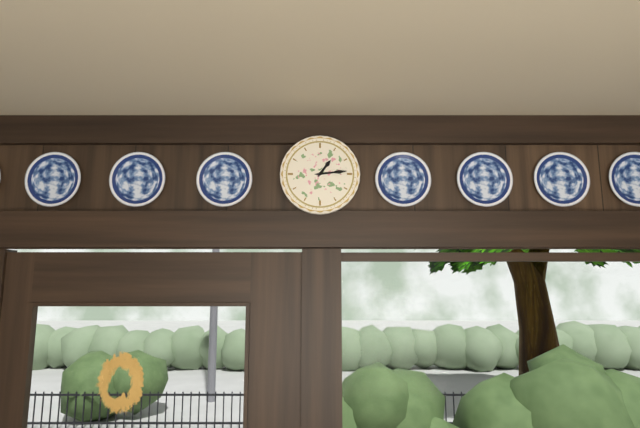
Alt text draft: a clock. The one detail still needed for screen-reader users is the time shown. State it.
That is 1:14
